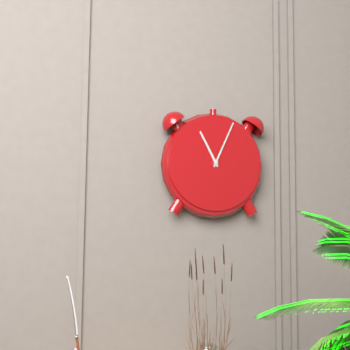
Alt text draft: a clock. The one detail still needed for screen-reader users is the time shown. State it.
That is 11:04
